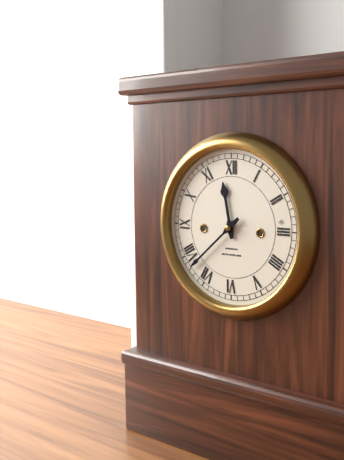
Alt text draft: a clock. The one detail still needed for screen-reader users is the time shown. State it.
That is 11:38
